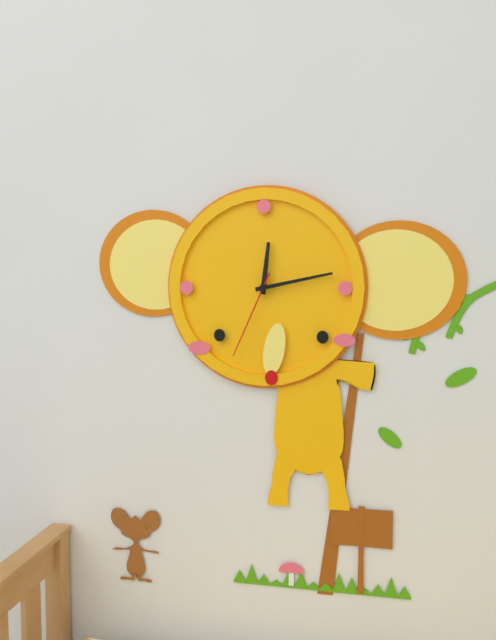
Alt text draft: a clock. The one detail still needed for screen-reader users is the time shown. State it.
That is 12:13:34
